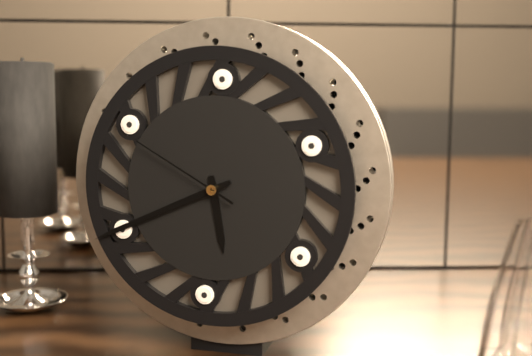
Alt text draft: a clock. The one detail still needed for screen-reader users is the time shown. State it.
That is 5:41:50
